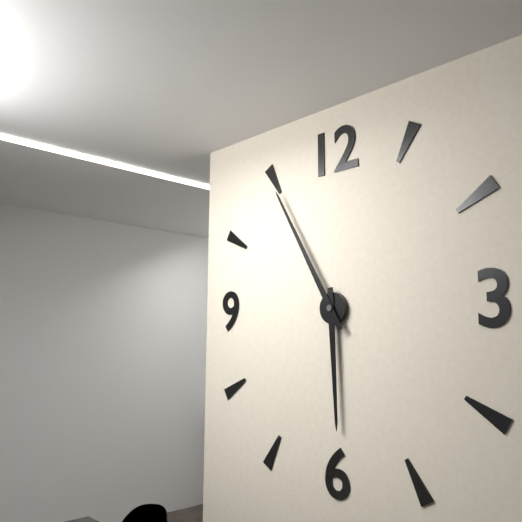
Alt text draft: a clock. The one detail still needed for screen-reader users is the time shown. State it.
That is 5:55
